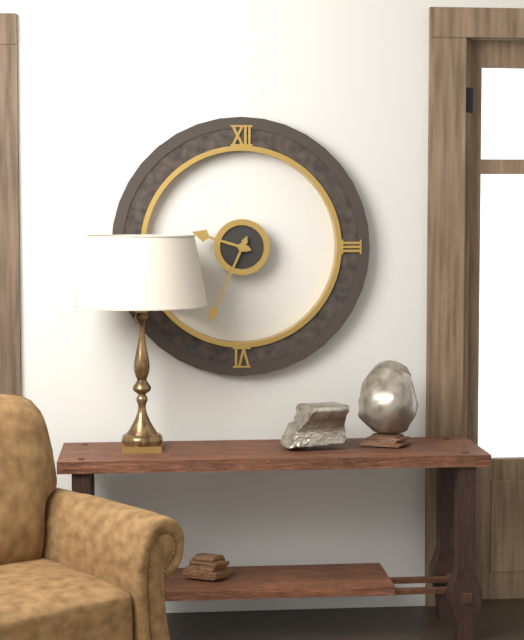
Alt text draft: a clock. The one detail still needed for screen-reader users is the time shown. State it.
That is 9:34
